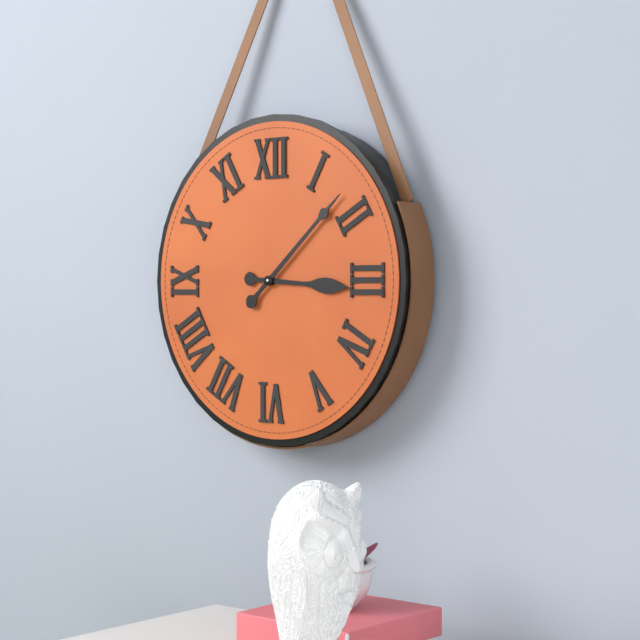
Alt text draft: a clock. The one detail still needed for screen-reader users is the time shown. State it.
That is 3:08
